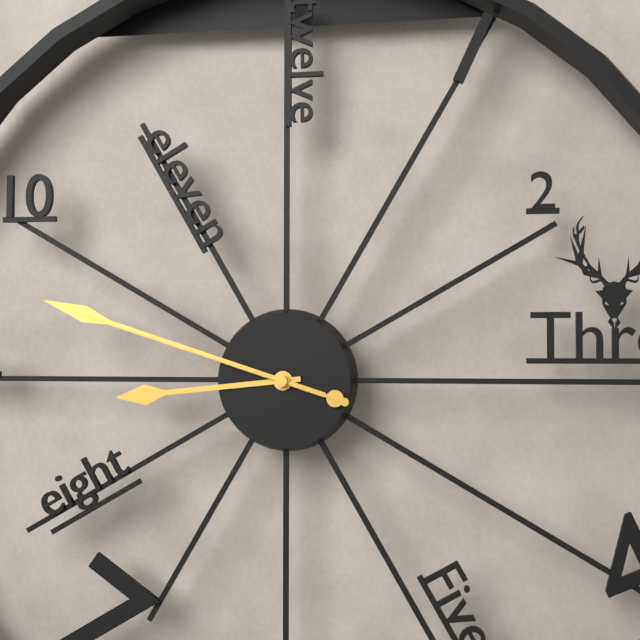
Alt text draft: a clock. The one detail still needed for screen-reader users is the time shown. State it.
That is 8:48:48
